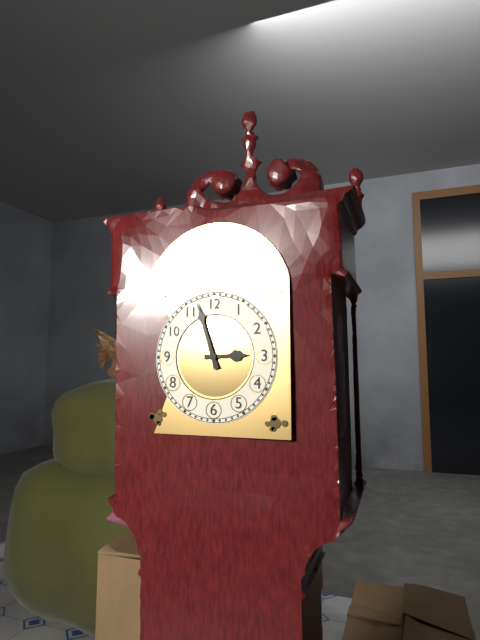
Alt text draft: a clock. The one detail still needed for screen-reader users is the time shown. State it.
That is 2:57
